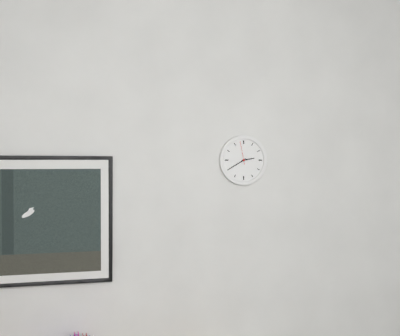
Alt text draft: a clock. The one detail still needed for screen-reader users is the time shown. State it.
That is 2:40
